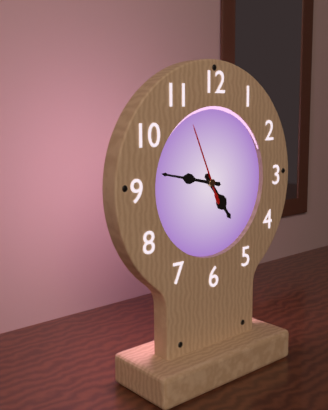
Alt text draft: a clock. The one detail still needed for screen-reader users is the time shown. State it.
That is 4:47:56
